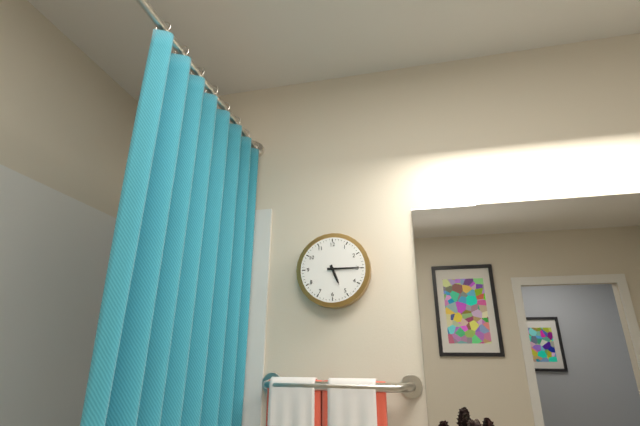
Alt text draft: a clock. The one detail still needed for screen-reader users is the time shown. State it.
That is 5:15
